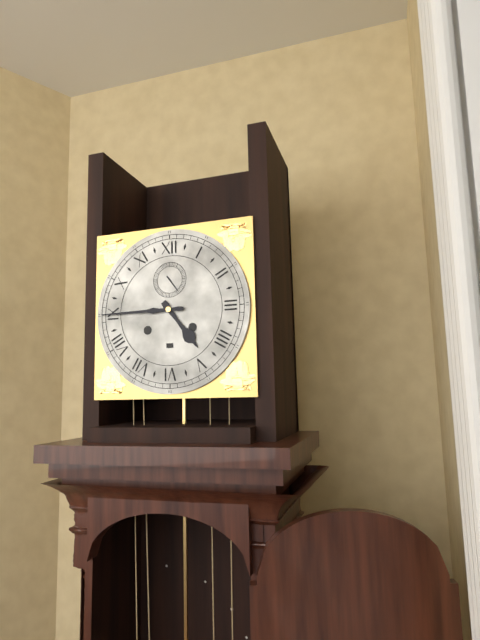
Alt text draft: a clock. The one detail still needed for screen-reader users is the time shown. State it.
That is 4:45
